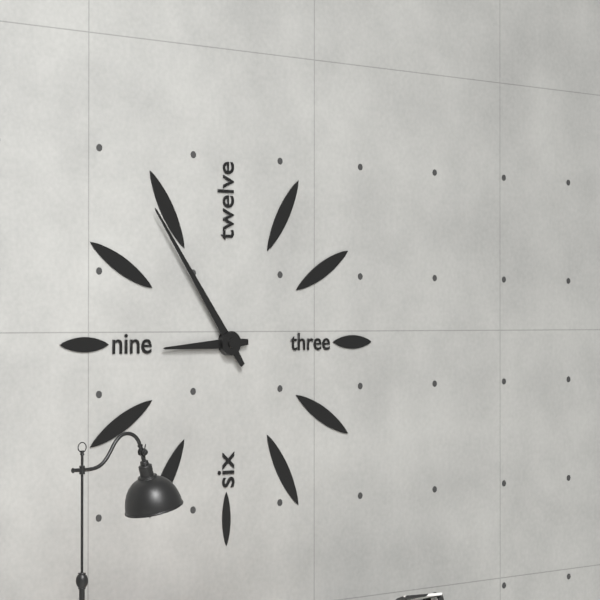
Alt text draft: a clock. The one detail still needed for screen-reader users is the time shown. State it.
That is 8:54
